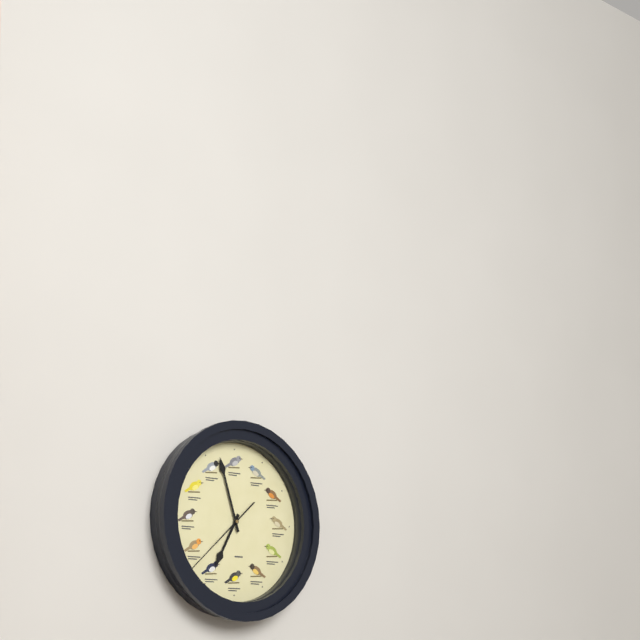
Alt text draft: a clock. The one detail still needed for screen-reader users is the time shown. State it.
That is 6:57:38
